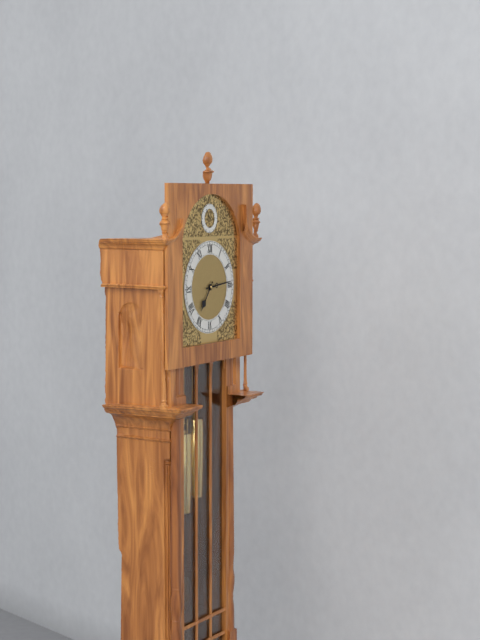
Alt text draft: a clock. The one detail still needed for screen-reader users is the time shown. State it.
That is 7:14
